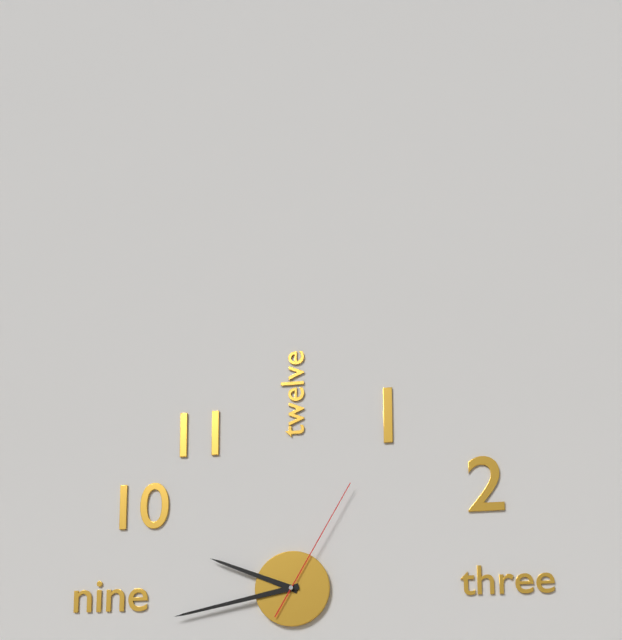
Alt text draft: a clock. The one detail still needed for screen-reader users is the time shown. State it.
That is 9:43:05
